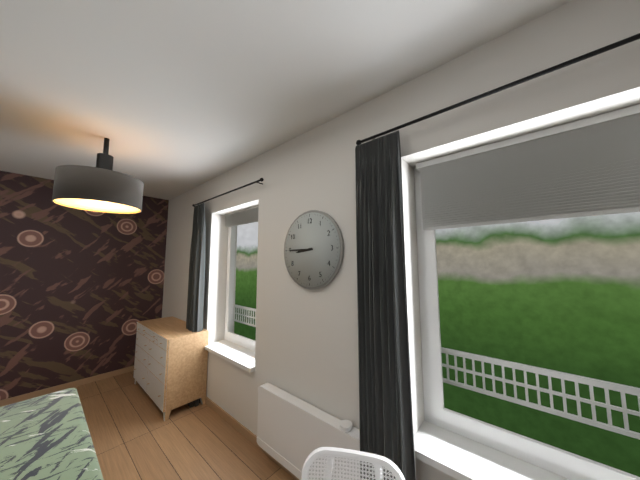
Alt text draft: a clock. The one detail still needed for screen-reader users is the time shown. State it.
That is 8:45
